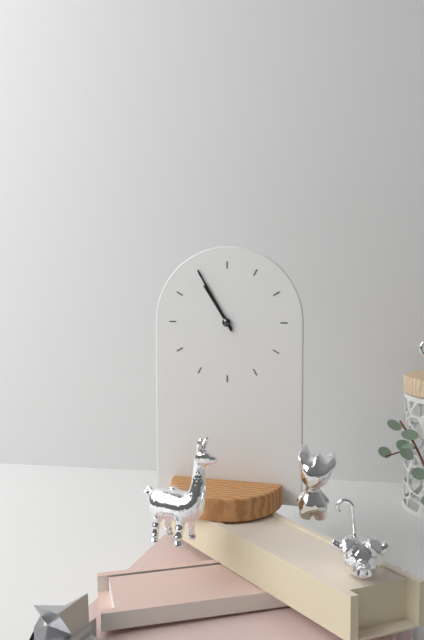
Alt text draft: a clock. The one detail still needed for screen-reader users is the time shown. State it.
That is 10:55
